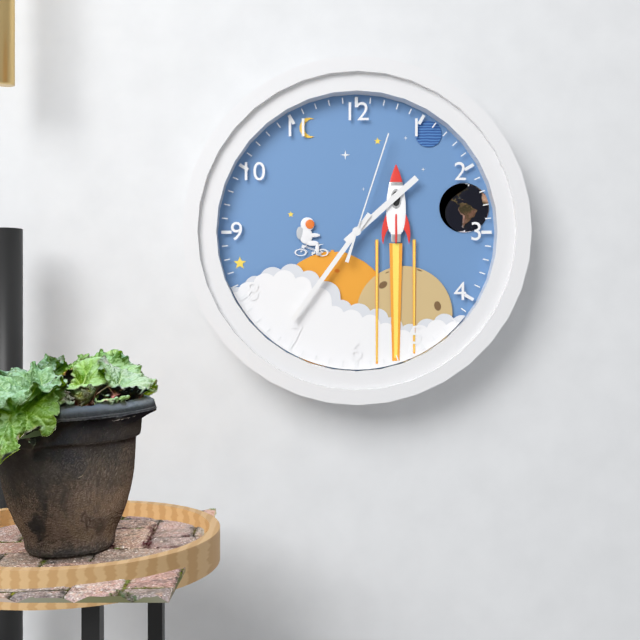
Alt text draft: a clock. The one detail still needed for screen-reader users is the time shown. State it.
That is 1:36:03
